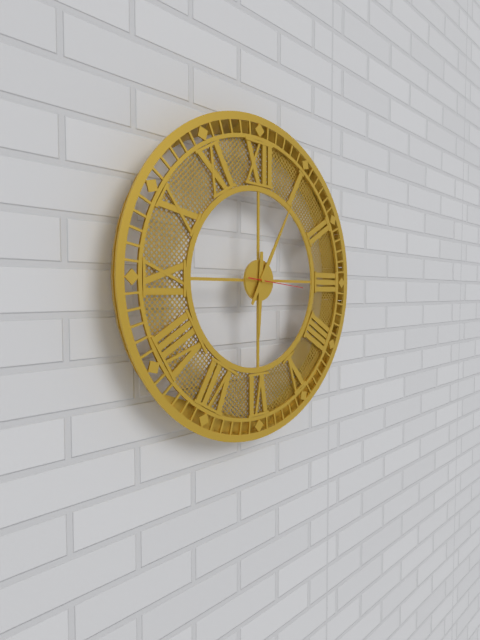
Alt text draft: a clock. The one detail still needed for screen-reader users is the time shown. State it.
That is 6:05:16
